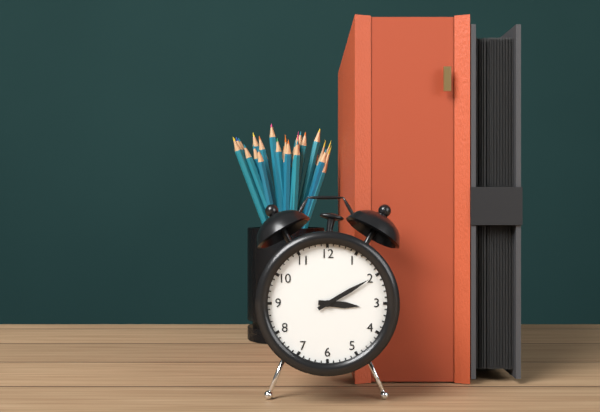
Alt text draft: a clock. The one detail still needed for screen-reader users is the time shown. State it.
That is 3:10
